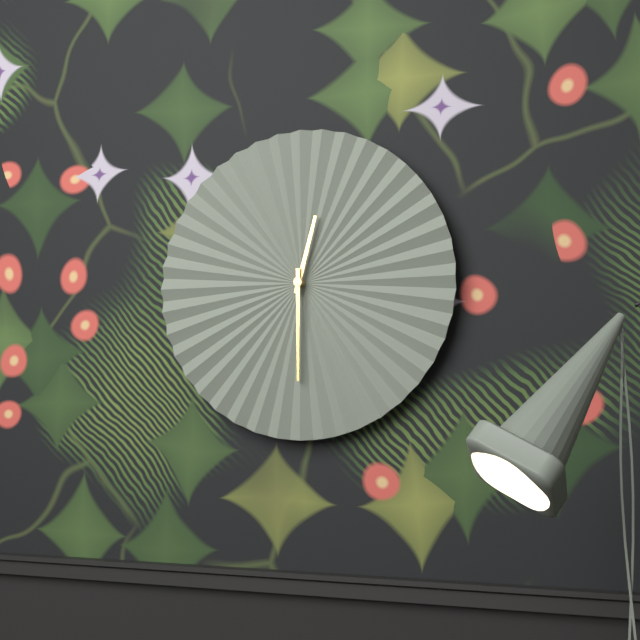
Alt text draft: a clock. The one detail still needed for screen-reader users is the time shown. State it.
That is 12:30
